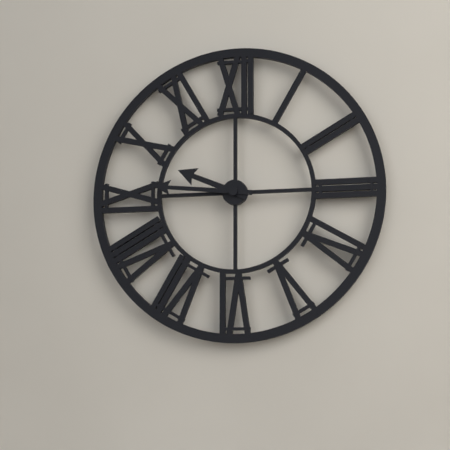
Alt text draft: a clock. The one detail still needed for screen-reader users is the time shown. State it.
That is 9:46
